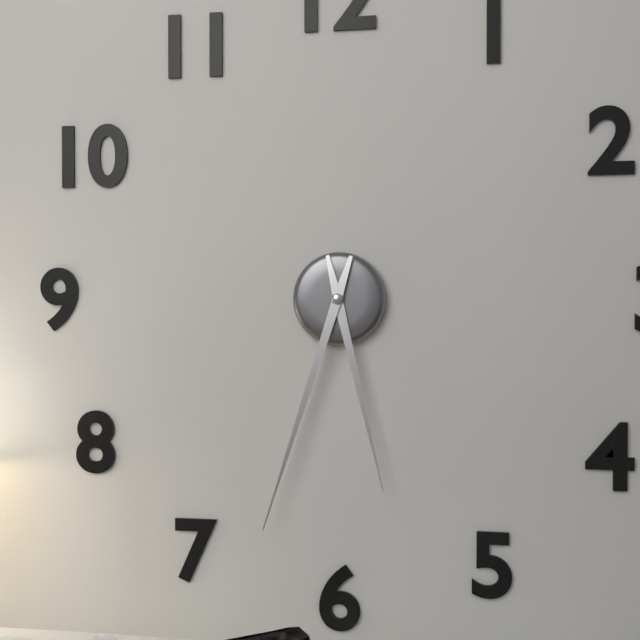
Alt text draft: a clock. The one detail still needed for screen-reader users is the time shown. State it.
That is 5:33
